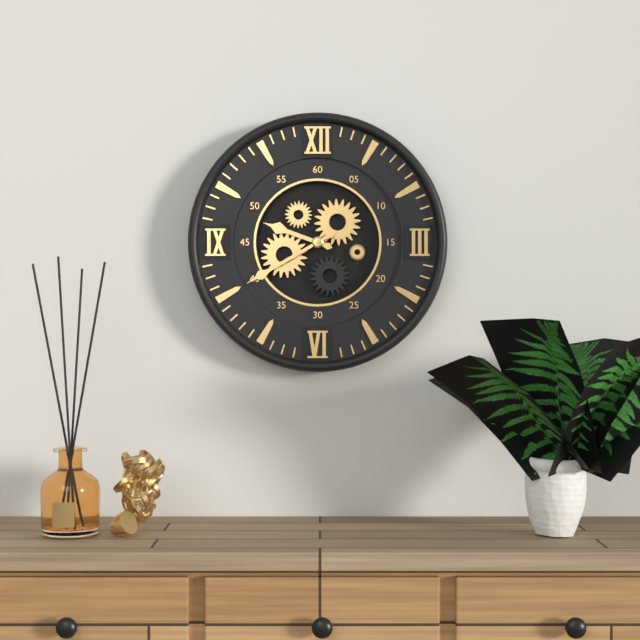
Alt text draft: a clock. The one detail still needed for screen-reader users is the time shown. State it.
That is 9:40
